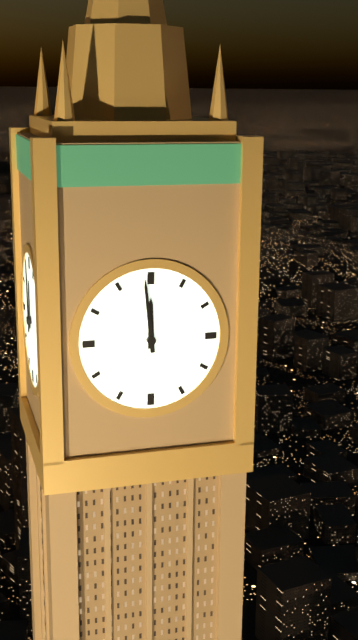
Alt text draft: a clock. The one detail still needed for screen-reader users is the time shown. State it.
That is 11:59
